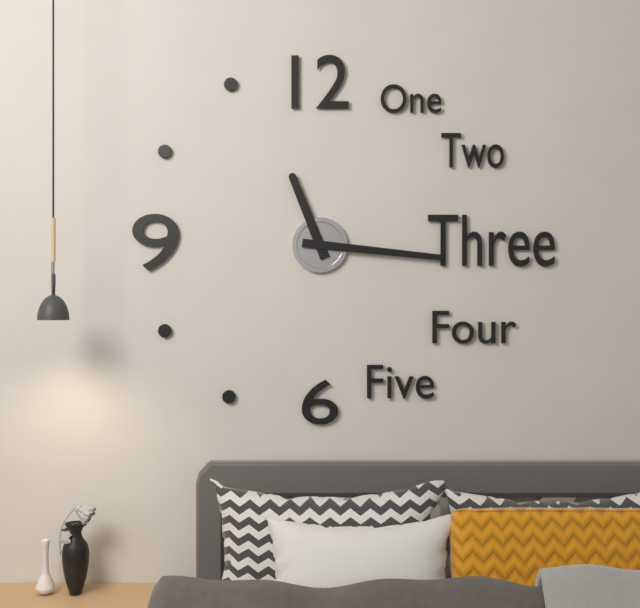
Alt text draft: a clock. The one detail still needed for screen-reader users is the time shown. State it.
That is 11:16
